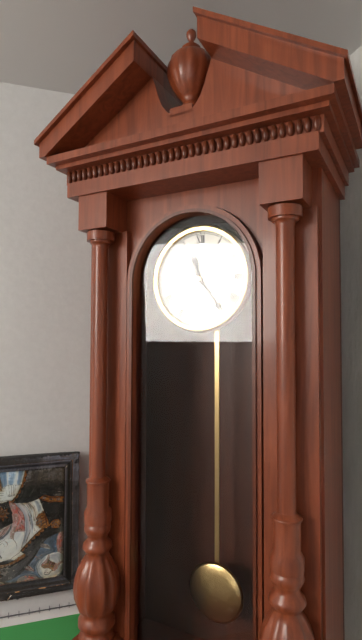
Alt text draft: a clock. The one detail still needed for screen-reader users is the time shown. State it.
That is 11:24
